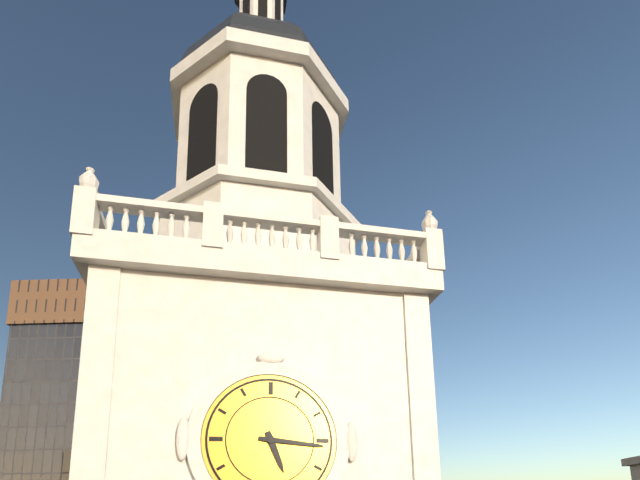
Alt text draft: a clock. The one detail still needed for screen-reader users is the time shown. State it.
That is 5:16
